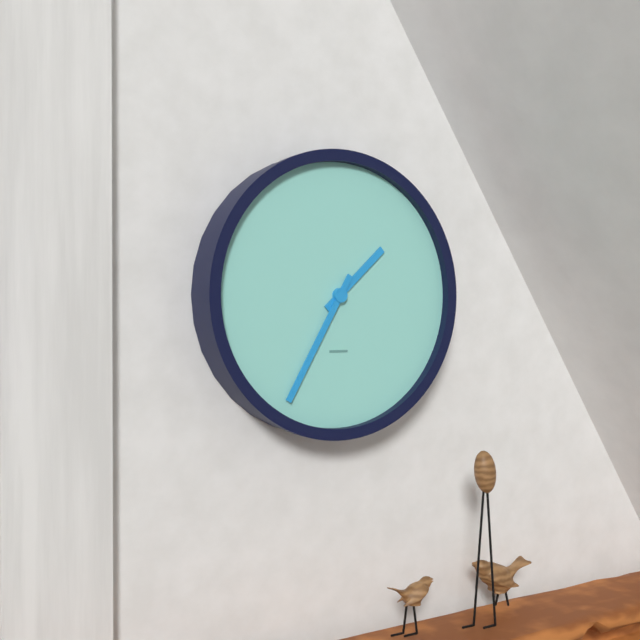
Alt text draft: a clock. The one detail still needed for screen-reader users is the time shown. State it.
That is 1:35
